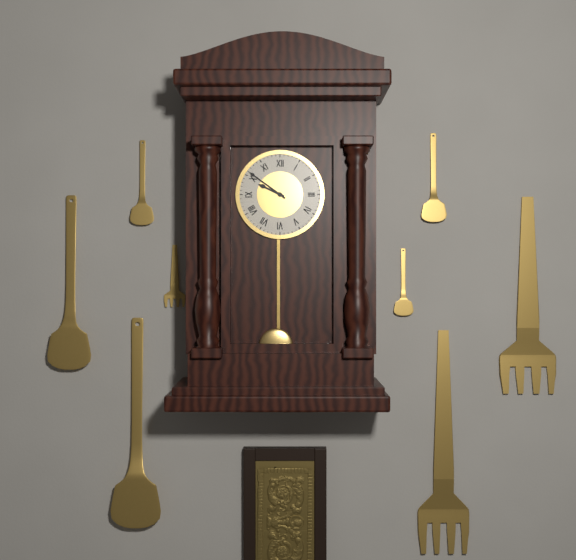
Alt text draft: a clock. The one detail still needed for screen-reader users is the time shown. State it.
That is 9:51
